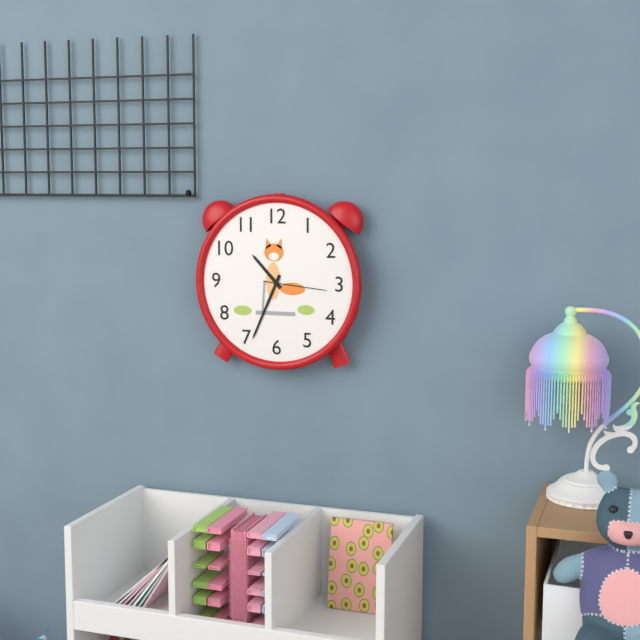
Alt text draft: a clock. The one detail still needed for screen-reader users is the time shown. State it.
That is 10:34:16
